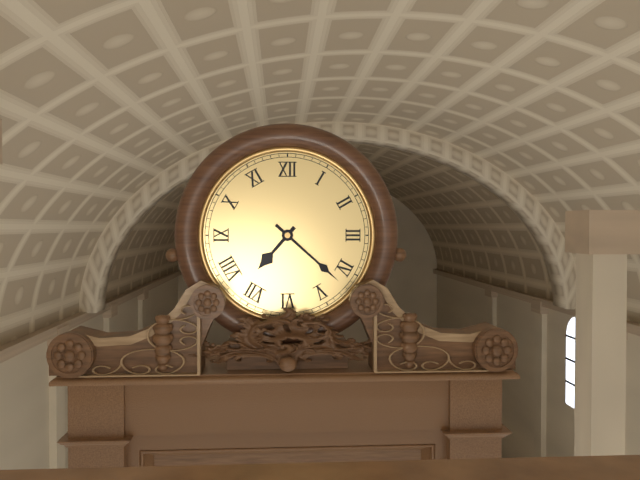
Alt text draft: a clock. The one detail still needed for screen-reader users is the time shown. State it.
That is 7:22
